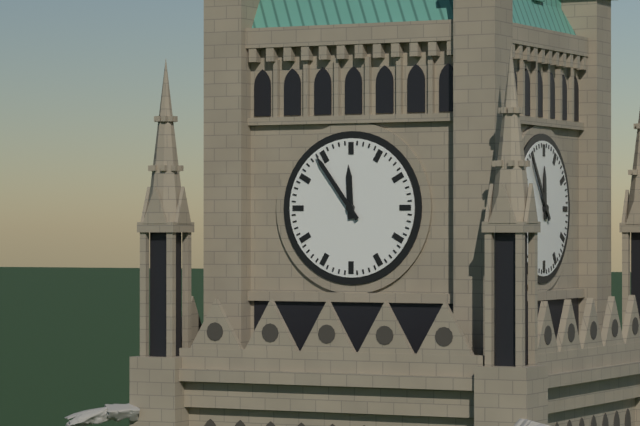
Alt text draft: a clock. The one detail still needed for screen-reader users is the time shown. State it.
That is 11:54
